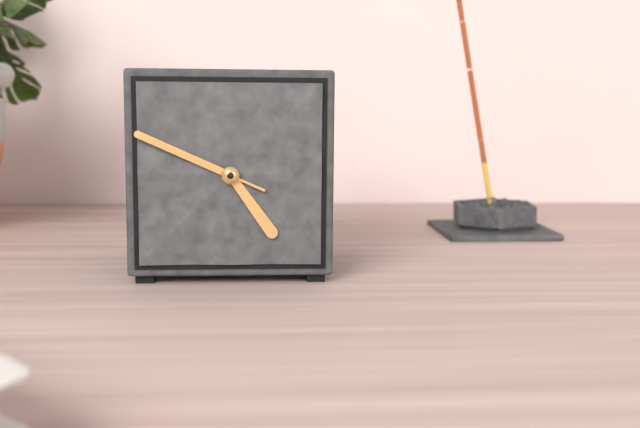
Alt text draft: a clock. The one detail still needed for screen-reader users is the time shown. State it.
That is 4:49:49
